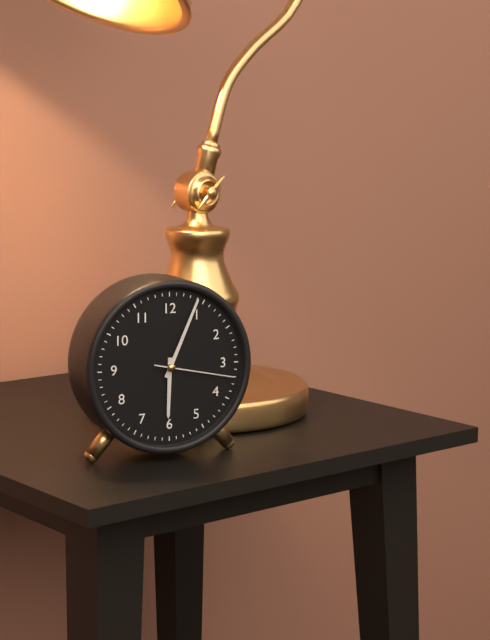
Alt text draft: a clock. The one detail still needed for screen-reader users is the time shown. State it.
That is 6:04:17
